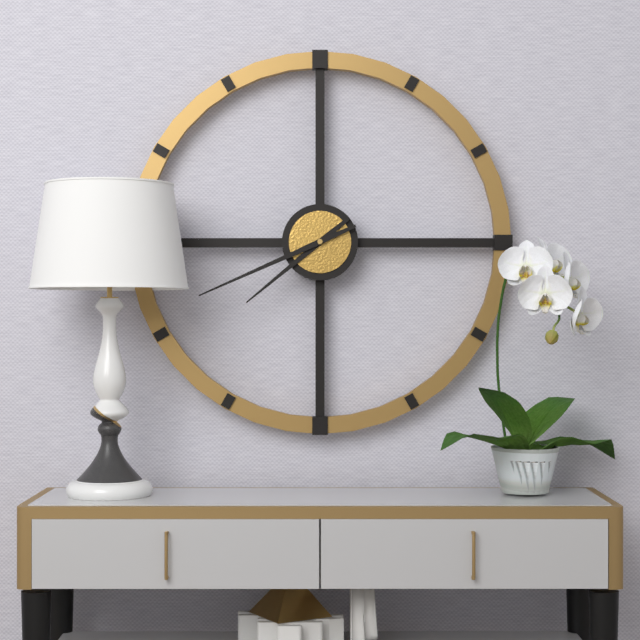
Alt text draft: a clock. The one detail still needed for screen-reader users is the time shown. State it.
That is 7:41
